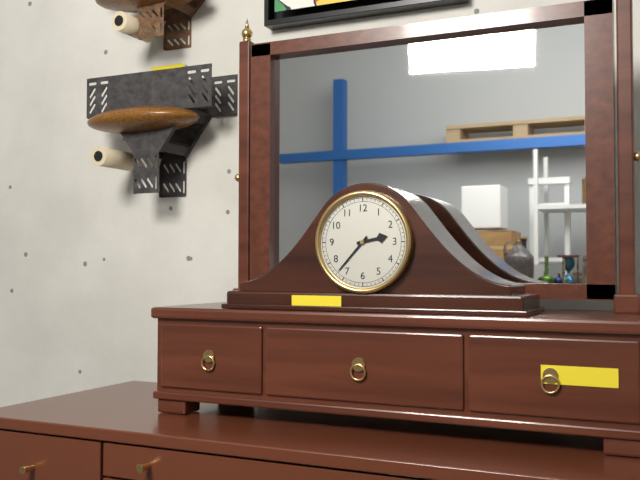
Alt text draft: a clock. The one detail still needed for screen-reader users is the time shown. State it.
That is 2:37
